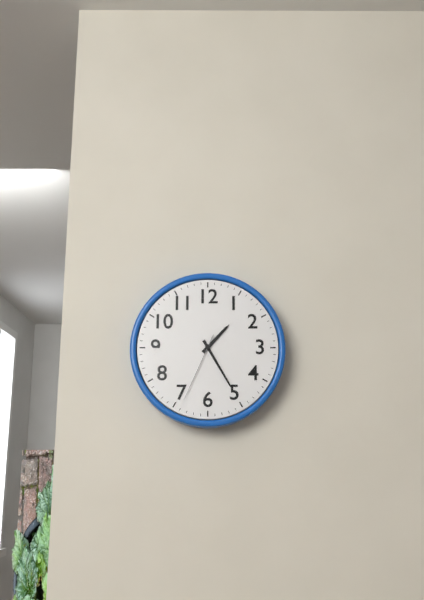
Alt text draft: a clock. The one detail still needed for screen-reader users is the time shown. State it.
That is 1:25:34
